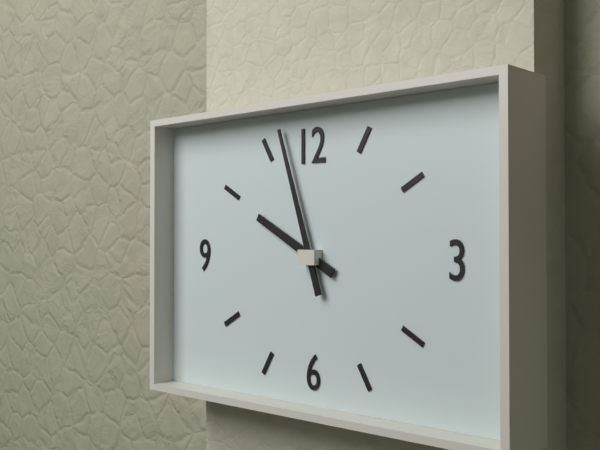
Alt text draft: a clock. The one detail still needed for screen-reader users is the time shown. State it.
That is 9:57
